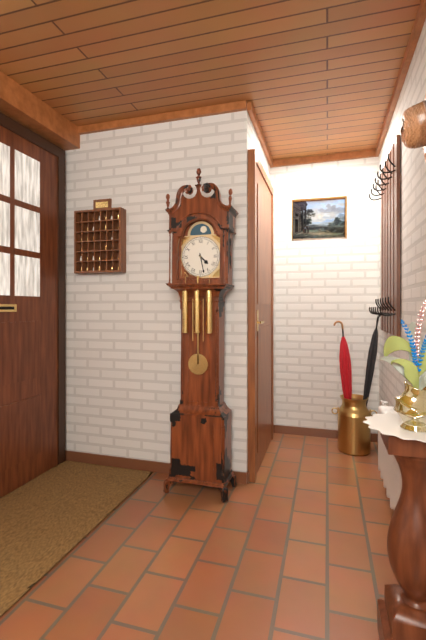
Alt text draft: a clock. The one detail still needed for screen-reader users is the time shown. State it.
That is 4:28
